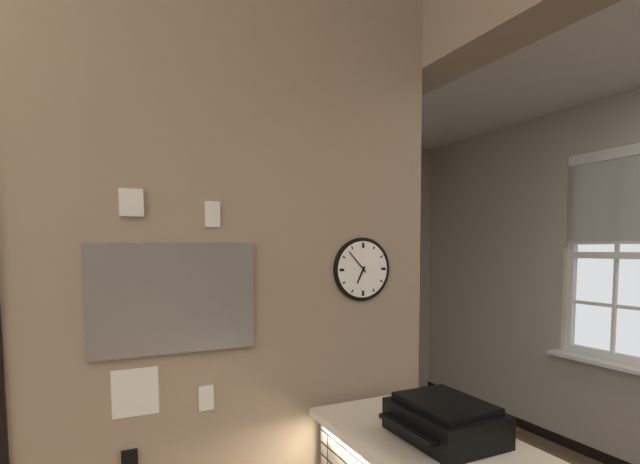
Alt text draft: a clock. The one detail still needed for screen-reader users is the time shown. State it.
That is 6:53
